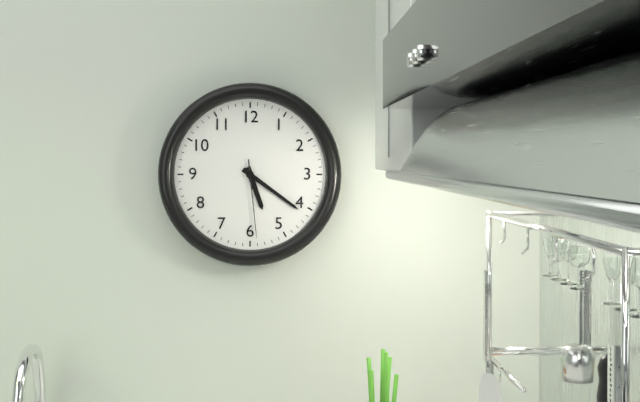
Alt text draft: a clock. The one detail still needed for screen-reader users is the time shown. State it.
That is 5:21:29
